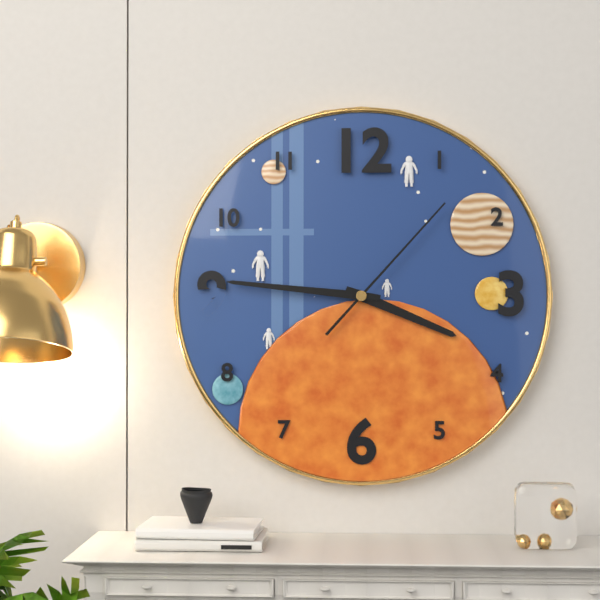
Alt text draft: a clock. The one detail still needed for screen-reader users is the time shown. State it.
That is 3:46:07
